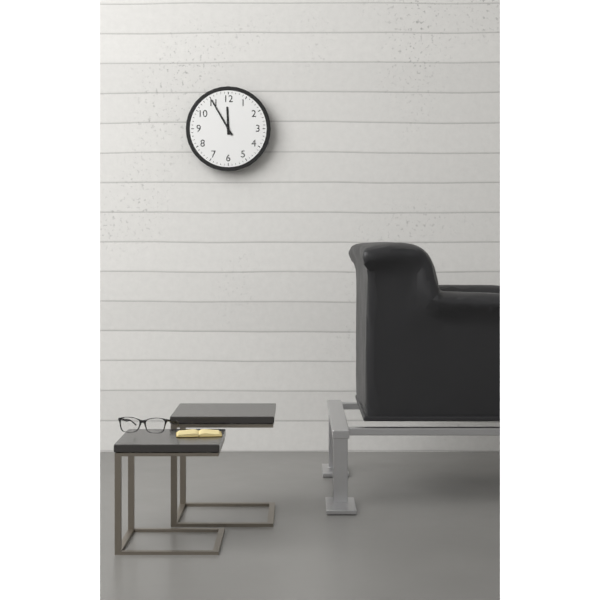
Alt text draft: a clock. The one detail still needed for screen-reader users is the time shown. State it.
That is 11:55
